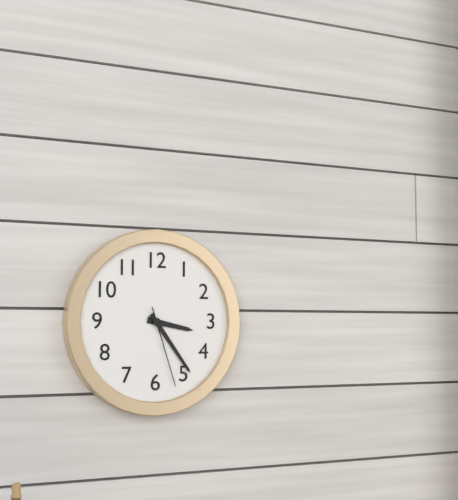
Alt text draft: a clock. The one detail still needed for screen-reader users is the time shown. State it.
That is 3:24:27
